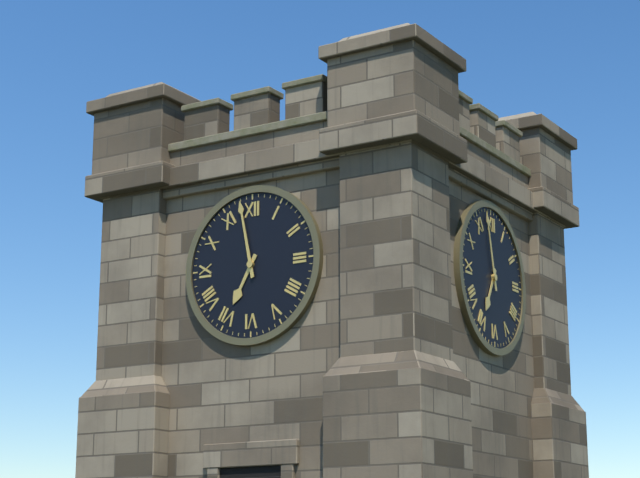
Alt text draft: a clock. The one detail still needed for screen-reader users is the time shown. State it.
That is 6:58
